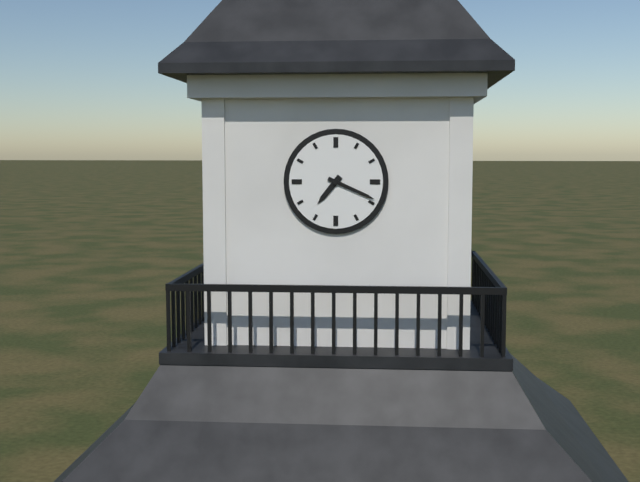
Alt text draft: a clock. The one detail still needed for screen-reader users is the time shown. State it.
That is 7:19
